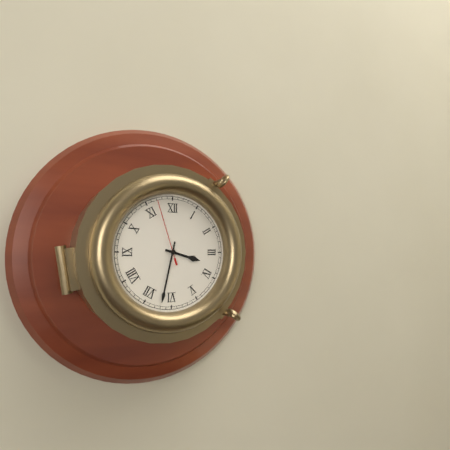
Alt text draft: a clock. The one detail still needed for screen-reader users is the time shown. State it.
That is 3:32:57
